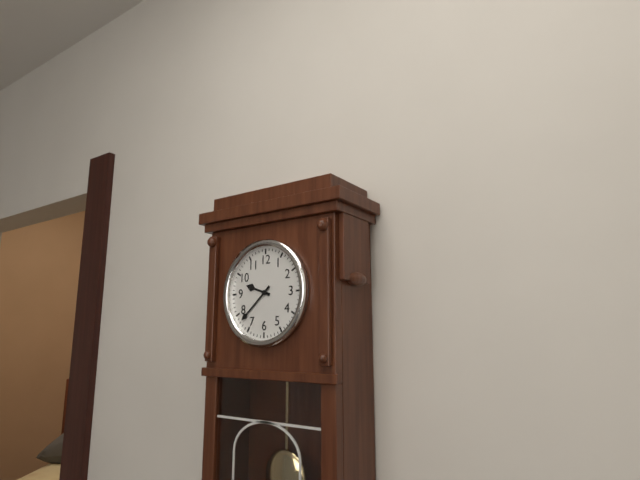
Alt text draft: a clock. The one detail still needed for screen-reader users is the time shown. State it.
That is 9:38
